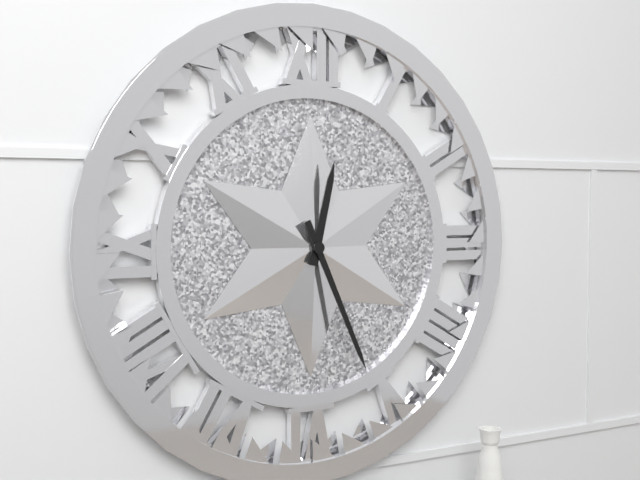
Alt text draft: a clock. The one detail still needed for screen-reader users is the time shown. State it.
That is 12:26
